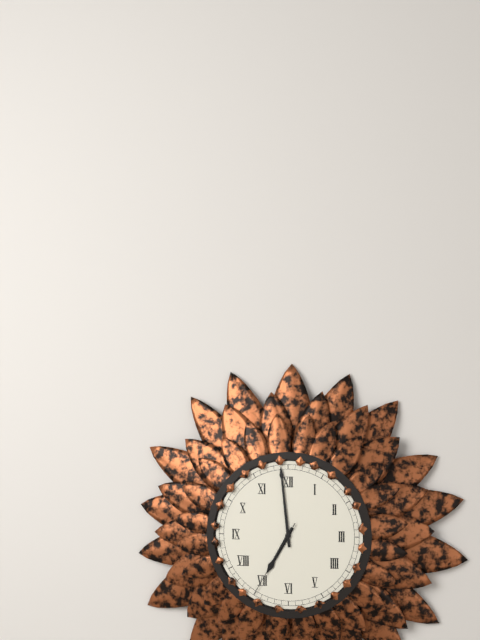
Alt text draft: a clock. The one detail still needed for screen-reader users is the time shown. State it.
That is 6:59:35
